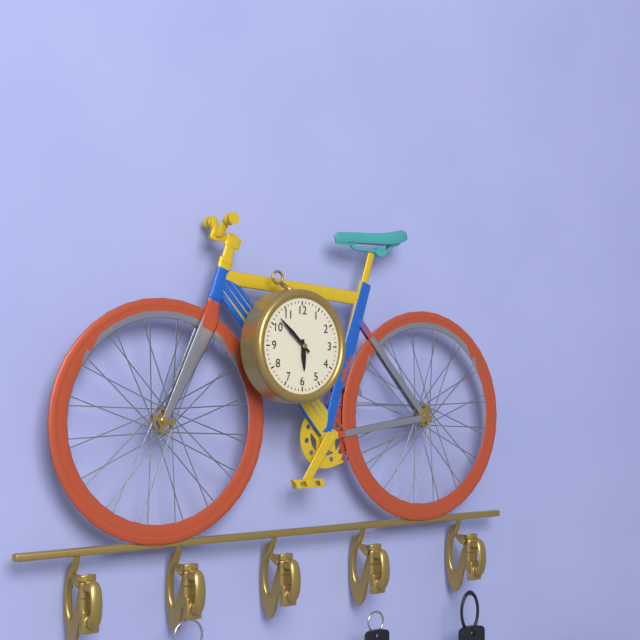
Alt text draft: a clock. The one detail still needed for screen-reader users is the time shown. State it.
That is 5:52
